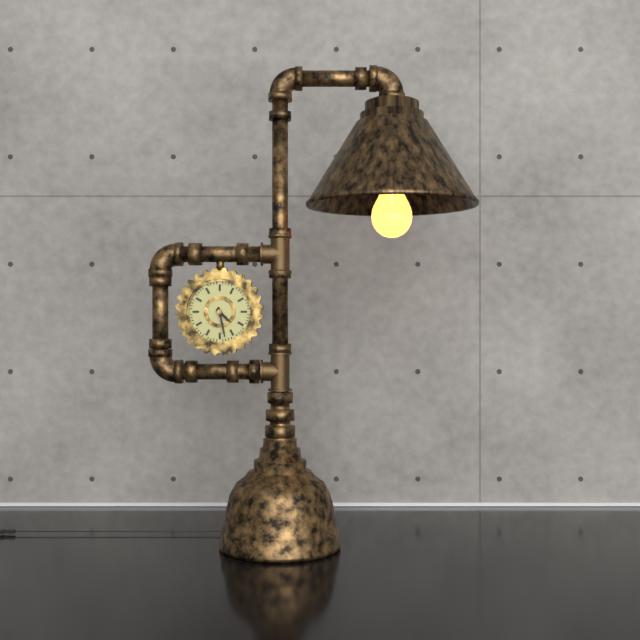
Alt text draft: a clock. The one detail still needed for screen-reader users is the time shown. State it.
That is 4:28
